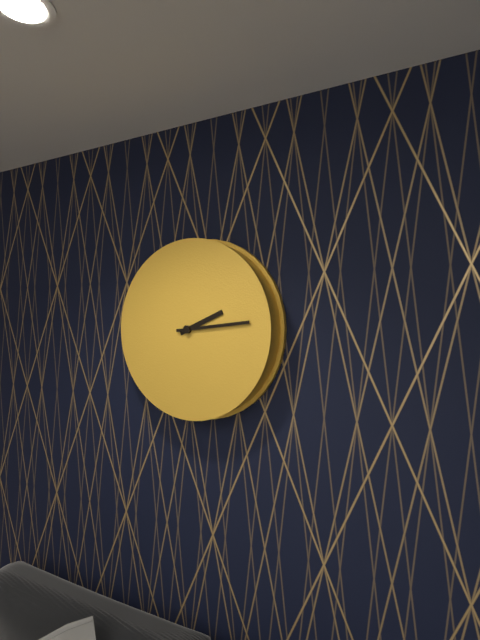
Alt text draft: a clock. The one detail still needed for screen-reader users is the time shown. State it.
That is 2:14
